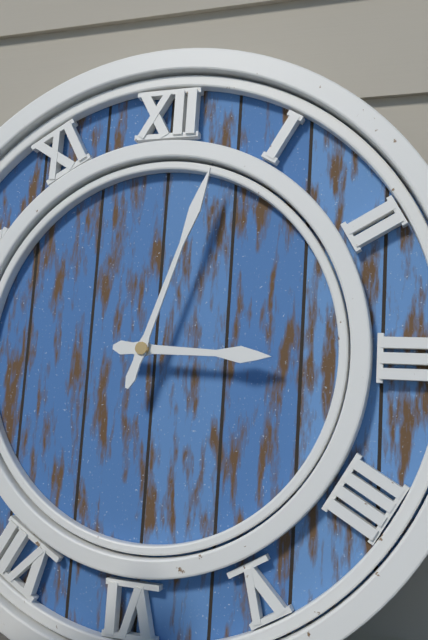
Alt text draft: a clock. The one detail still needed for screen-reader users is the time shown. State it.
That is 3:03
